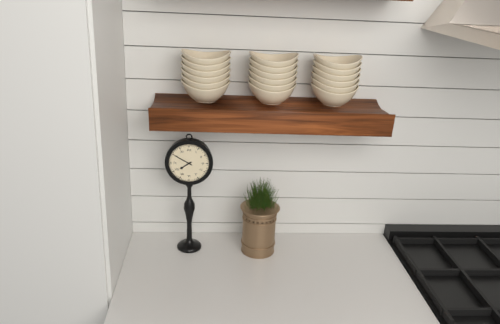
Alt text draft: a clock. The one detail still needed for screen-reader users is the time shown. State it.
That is 7:50
